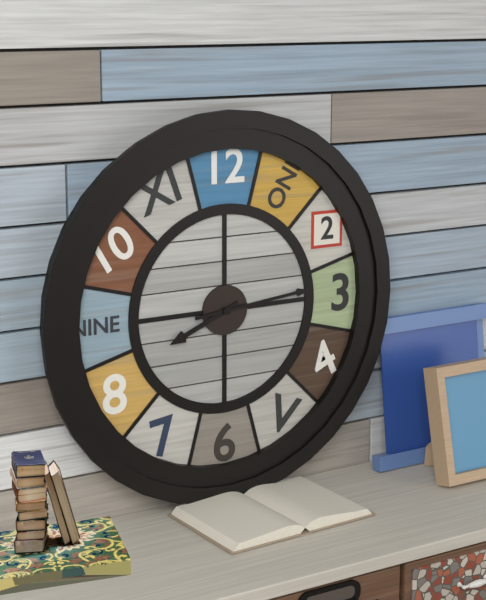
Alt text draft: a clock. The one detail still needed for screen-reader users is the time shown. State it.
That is 8:14
